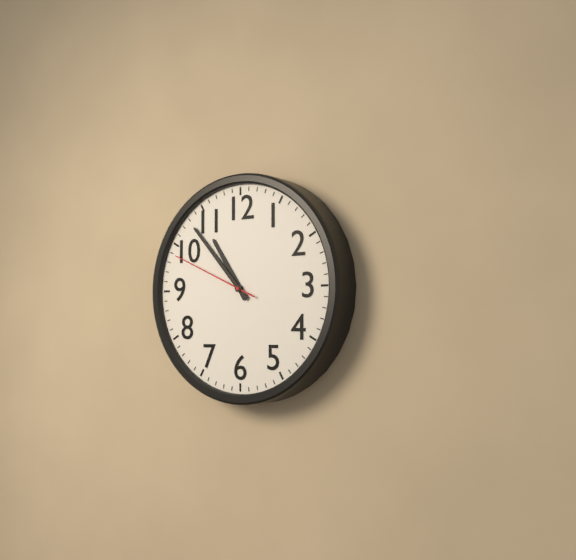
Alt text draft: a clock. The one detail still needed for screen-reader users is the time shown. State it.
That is 10:53:49
